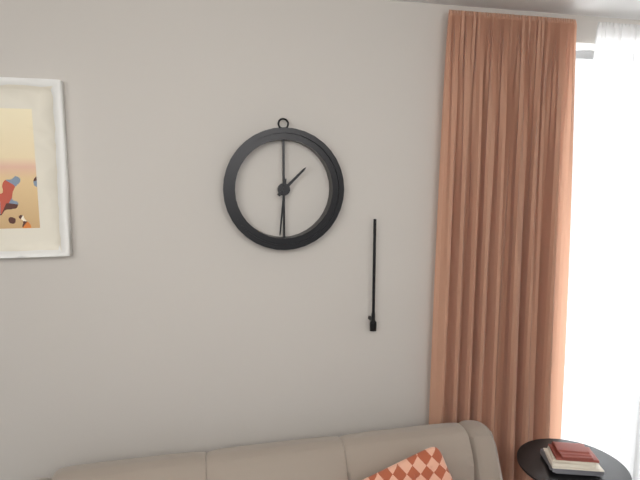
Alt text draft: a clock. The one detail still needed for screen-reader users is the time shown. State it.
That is 1:31
